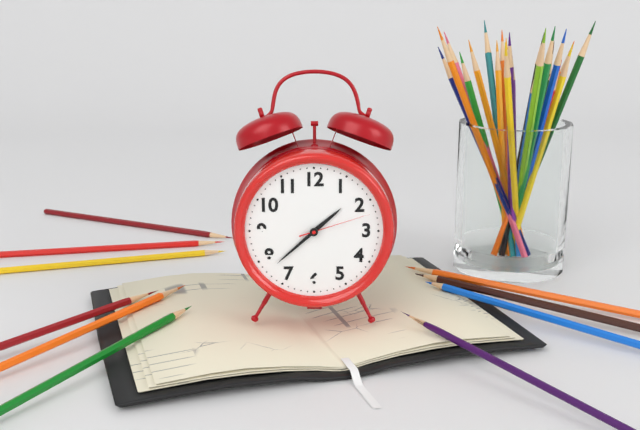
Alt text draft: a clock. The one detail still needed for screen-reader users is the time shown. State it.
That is 1:38:12
